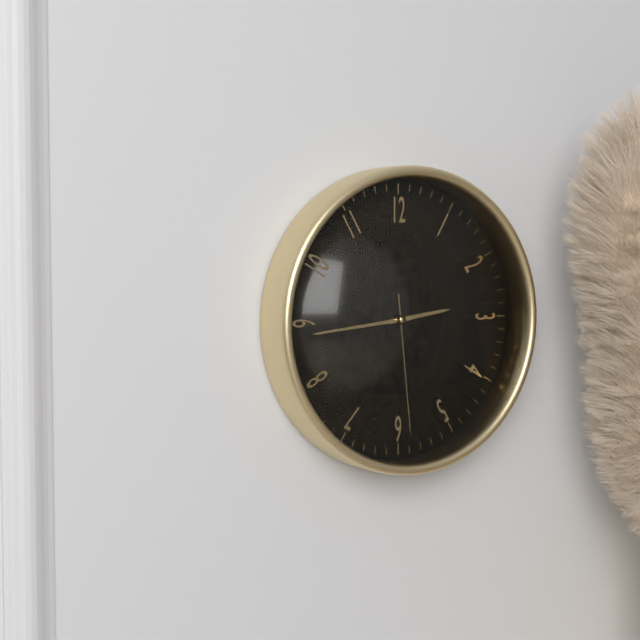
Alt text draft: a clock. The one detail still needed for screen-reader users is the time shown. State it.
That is 2:44:29
